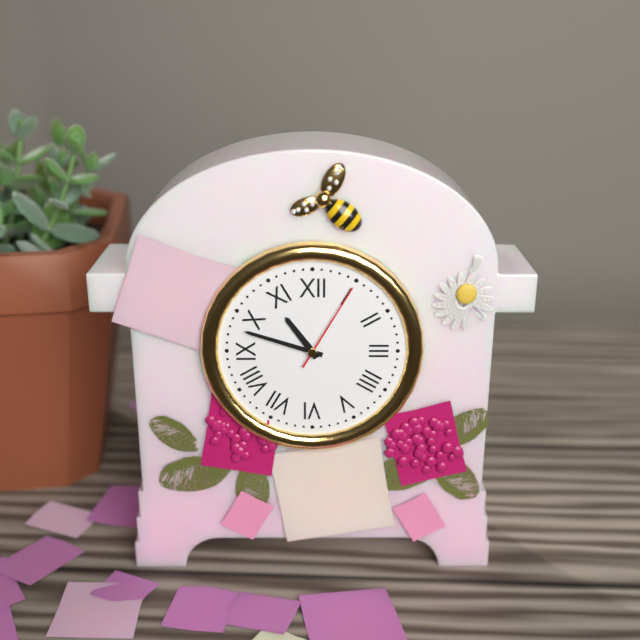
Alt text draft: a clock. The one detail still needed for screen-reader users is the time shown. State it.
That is 10:48:05
